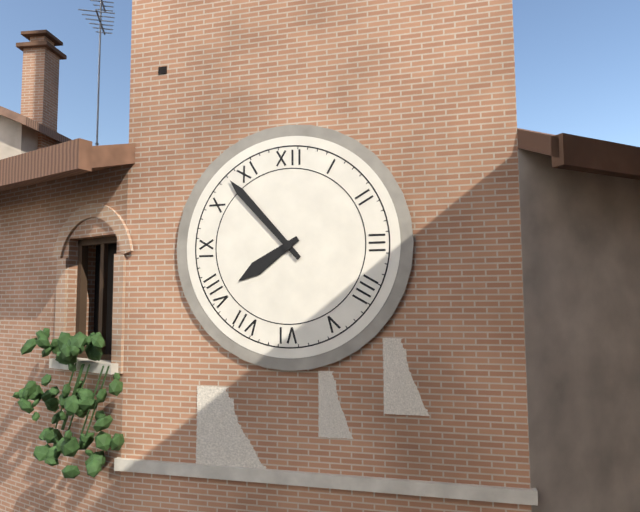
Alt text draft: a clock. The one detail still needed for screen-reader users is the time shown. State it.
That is 7:53
